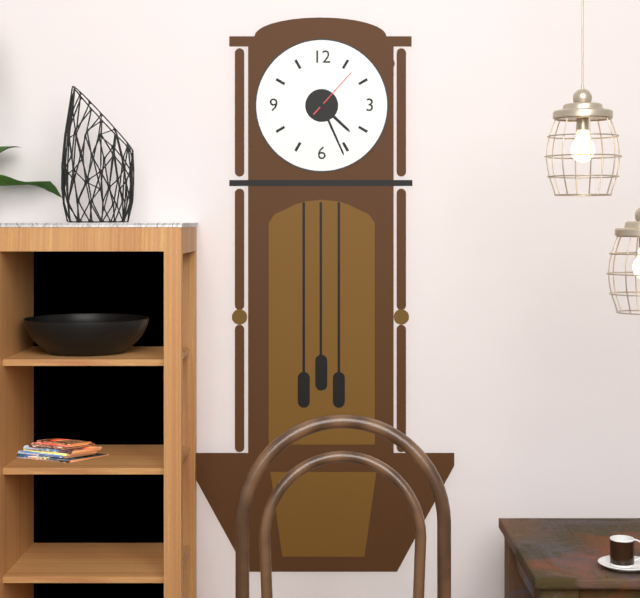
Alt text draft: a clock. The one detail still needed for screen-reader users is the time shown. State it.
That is 4:26:07
